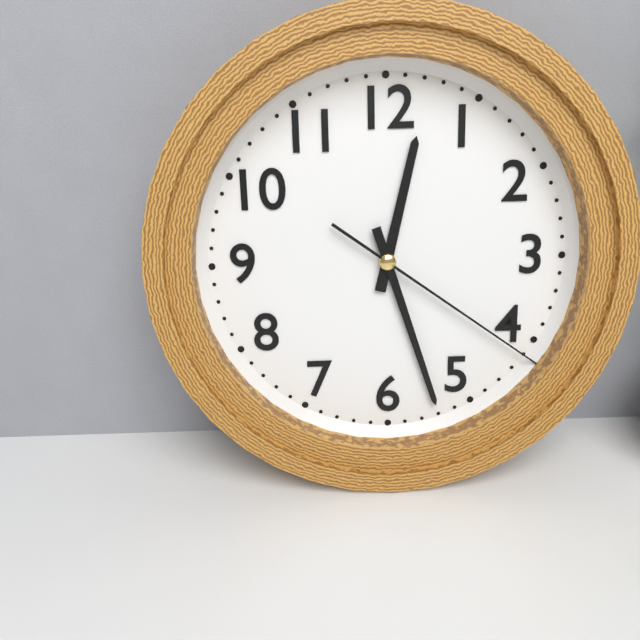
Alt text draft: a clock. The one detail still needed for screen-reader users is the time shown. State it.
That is 12:27:21
